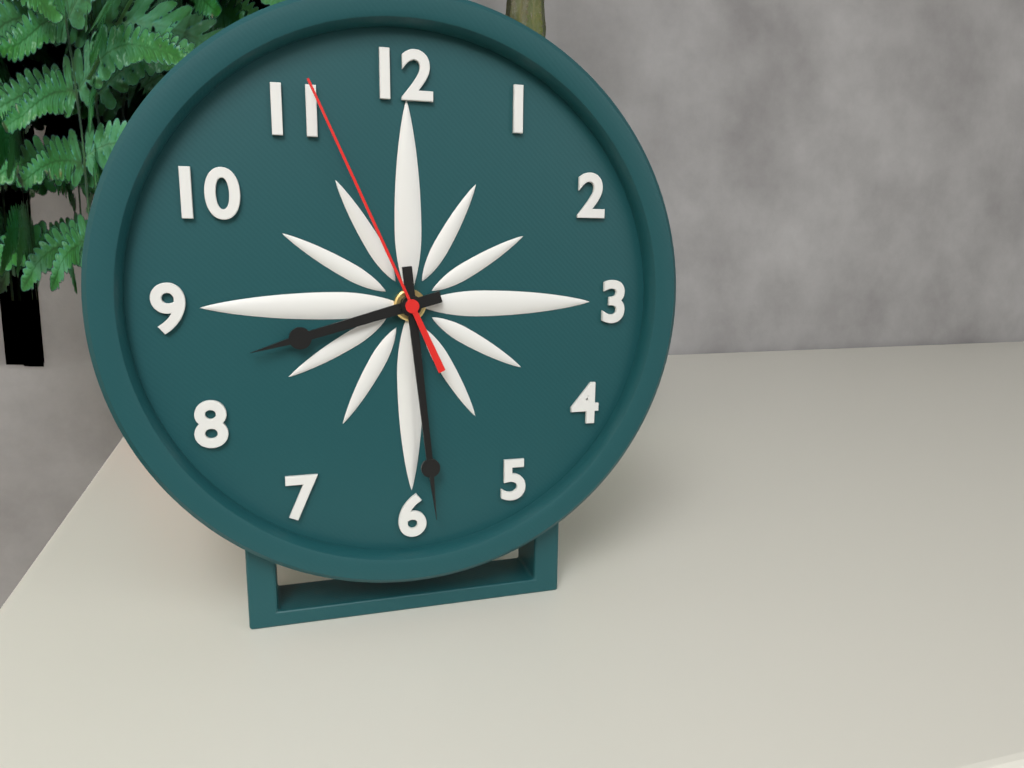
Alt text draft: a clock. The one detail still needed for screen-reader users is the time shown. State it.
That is 8:29:56
